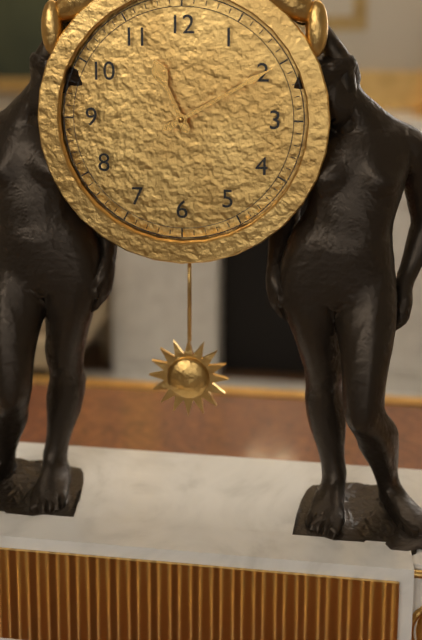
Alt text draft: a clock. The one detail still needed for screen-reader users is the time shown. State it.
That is 11:10
